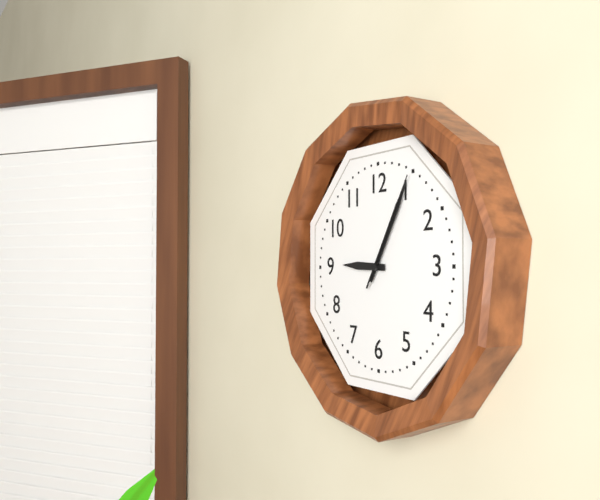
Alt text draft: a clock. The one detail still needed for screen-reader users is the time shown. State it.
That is 9:05:05
